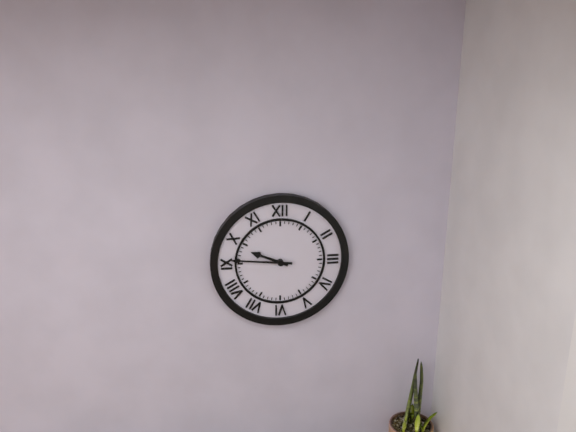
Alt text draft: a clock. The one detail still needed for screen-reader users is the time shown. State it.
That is 9:46
